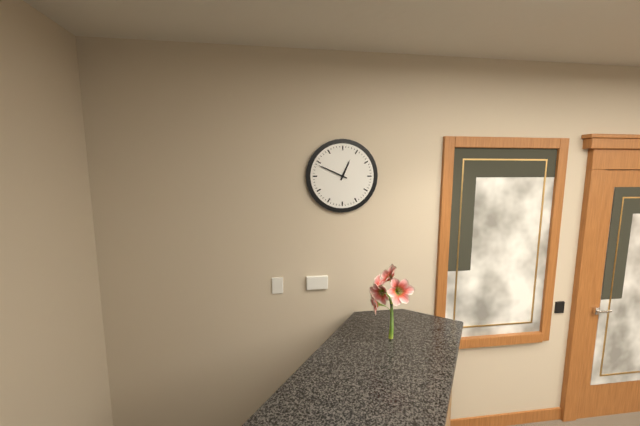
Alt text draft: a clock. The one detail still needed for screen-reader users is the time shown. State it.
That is 12:49
